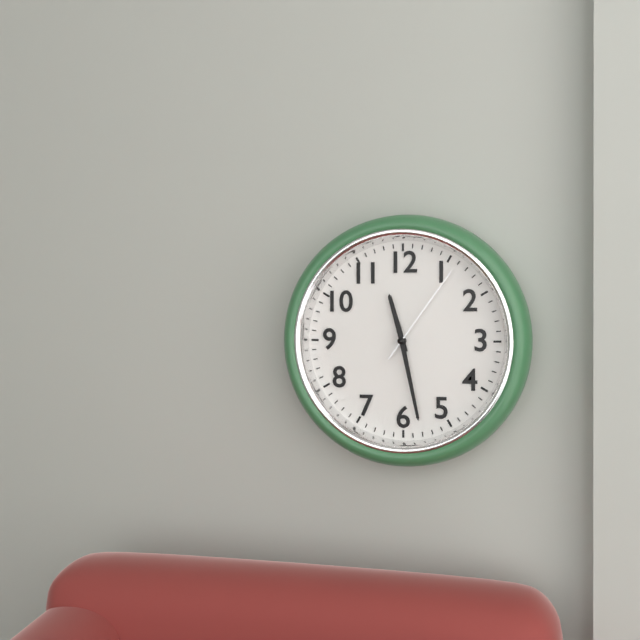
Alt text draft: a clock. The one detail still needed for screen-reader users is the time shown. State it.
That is 11:28:06
